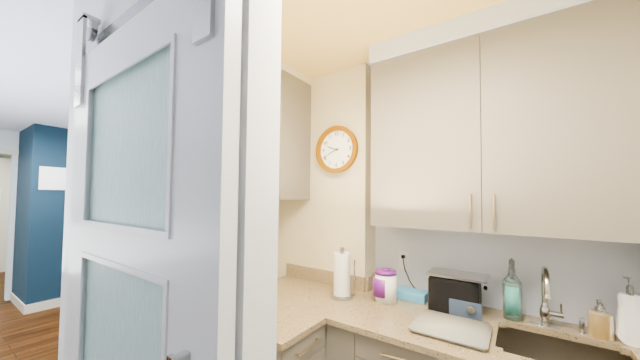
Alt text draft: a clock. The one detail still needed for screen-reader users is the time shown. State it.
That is 9:41
